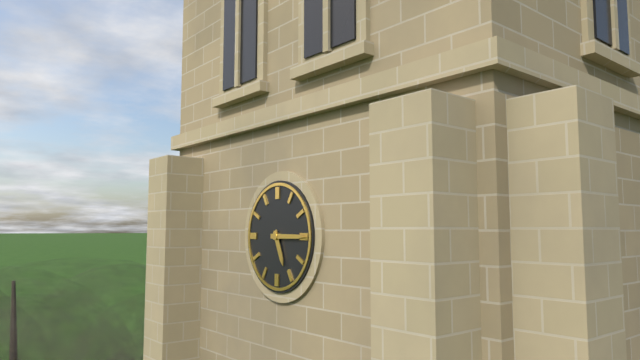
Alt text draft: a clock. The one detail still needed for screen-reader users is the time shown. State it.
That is 5:15
